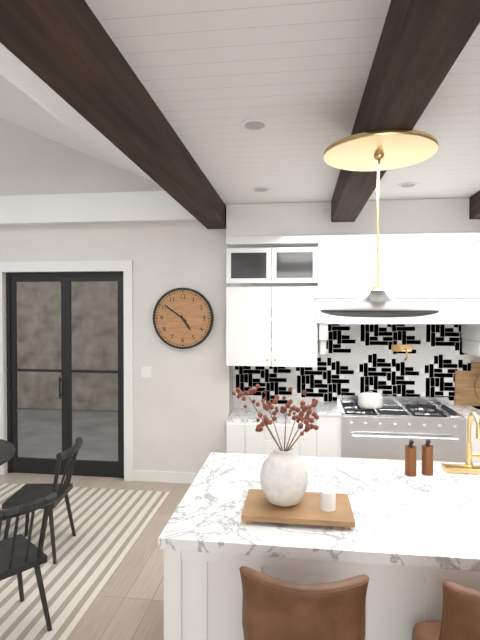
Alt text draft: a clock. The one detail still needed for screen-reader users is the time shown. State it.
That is 4:51
